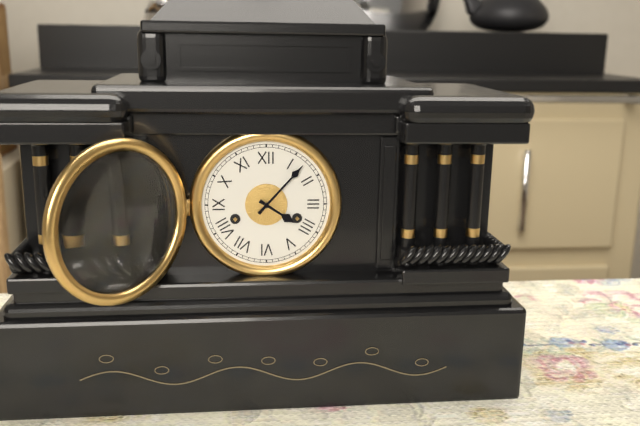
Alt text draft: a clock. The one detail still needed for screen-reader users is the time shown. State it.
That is 4:07
